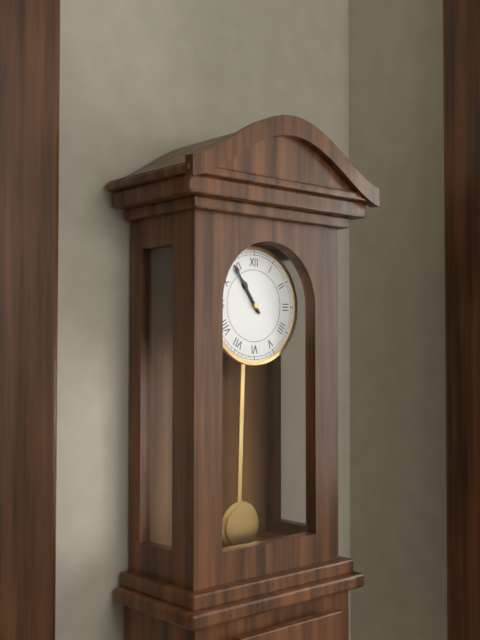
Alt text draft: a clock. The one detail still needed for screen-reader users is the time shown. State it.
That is 10:54
